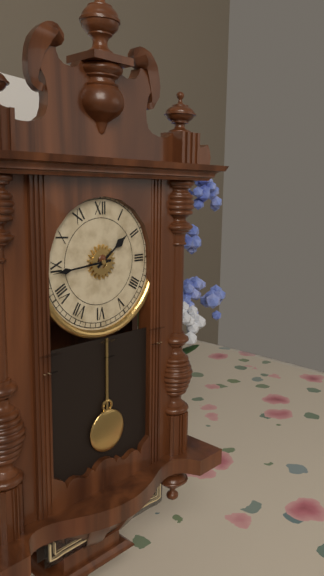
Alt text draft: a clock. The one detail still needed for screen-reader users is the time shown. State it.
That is 1:44
